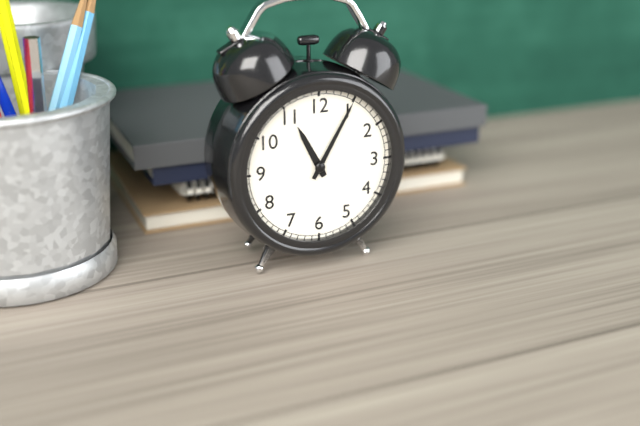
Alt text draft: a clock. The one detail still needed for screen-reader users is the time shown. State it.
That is 11:05
